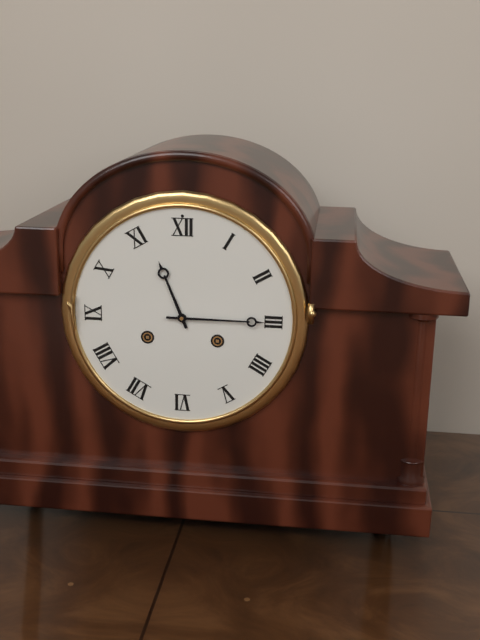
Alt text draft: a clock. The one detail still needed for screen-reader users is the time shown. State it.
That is 11:15
